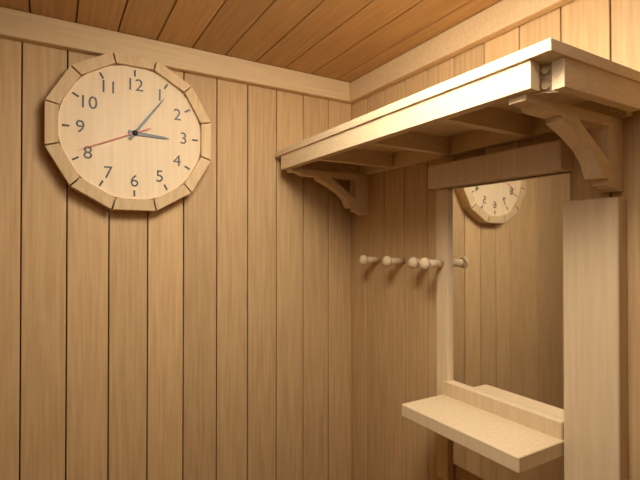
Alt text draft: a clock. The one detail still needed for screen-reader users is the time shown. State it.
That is 3:06:41
